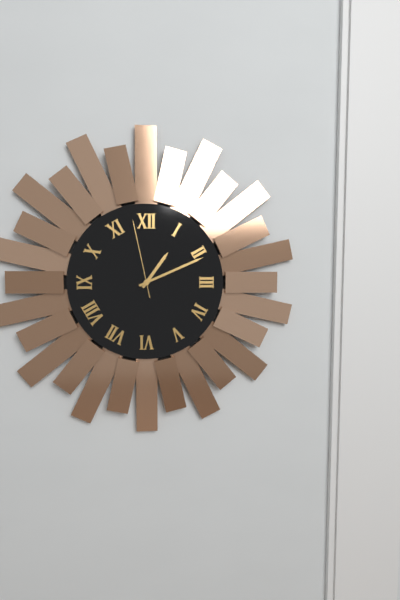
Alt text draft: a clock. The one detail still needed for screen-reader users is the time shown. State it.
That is 1:11:58
